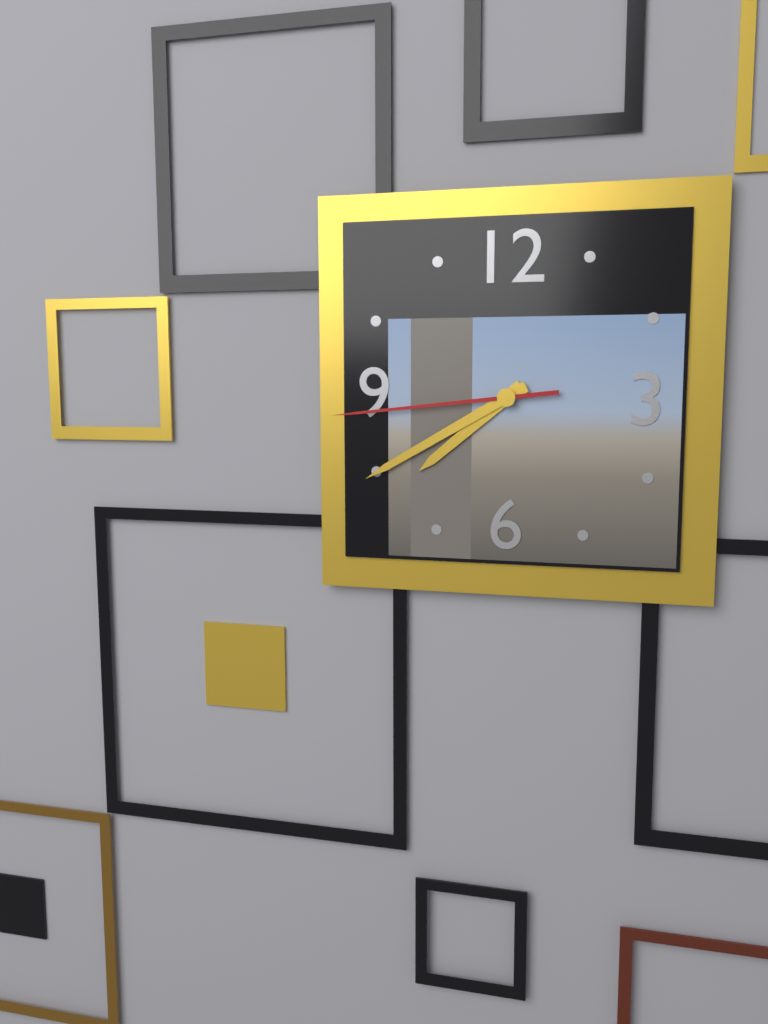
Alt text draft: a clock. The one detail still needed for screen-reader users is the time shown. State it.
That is 7:40:44
